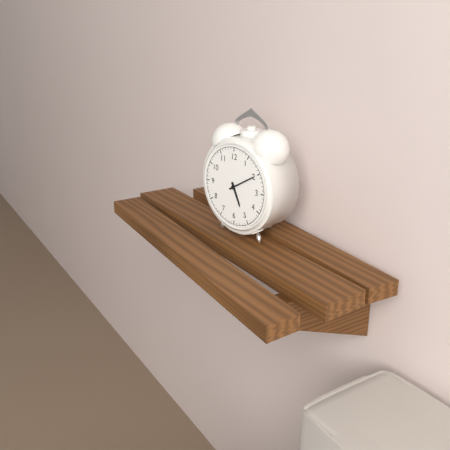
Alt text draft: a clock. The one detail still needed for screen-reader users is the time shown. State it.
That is 5:10
